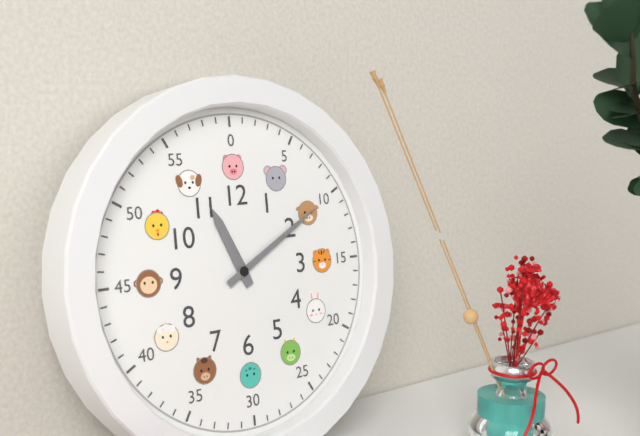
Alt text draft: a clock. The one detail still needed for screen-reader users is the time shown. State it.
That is 11:10
